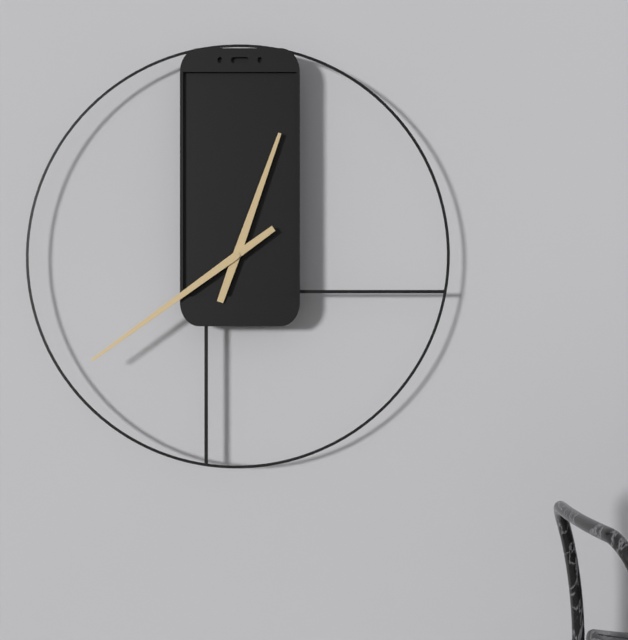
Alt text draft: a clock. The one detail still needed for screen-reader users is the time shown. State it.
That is 12:39
